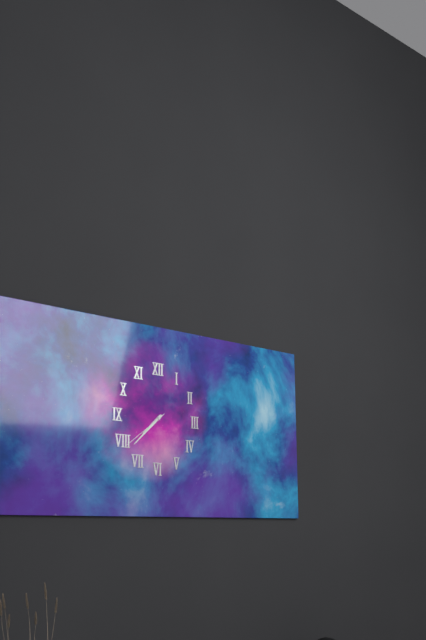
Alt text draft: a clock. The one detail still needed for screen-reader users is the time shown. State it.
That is 7:38:39
